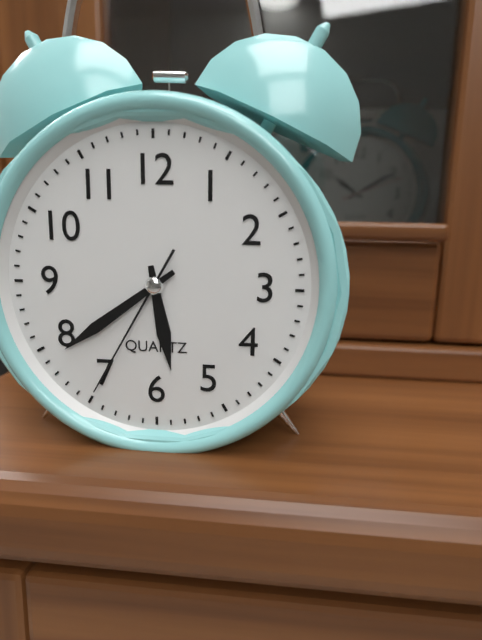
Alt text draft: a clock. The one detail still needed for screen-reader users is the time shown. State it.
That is 5:39:35
